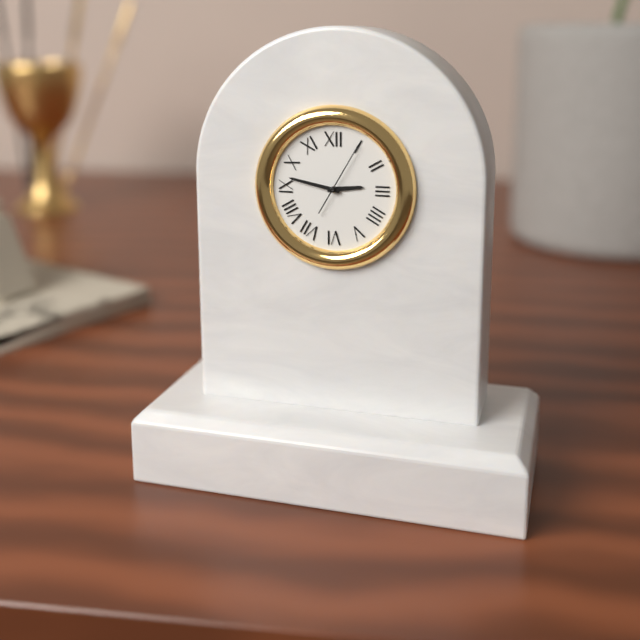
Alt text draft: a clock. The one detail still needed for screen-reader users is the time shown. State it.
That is 2:47:05
